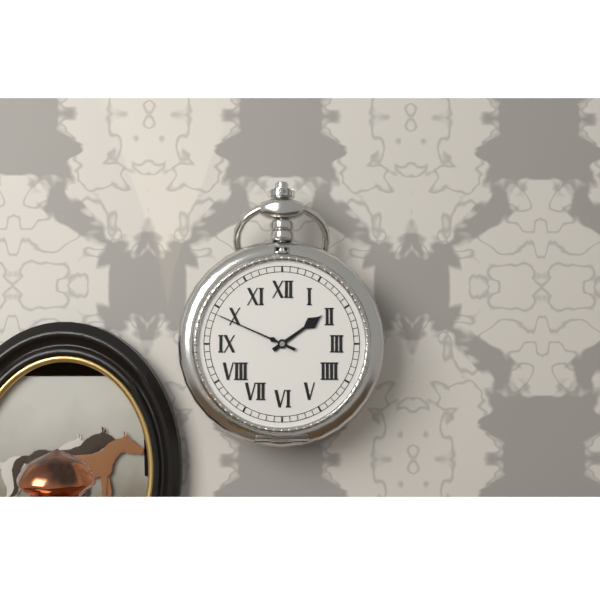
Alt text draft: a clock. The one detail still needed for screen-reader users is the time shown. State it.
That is 1:49
